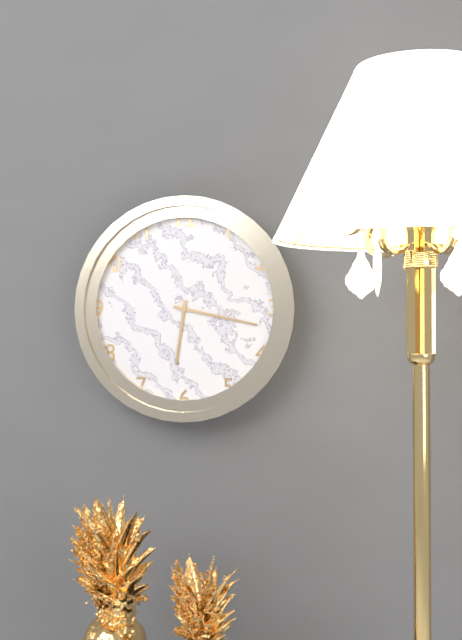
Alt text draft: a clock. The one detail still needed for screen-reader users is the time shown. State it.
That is 6:17
